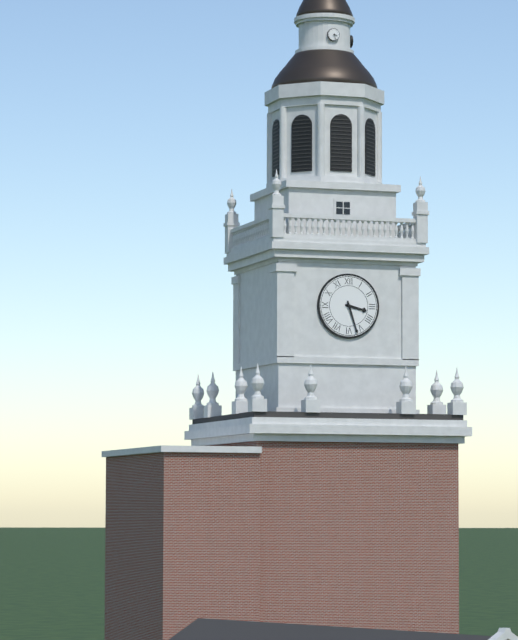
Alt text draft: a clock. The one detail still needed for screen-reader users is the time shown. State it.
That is 3:27
